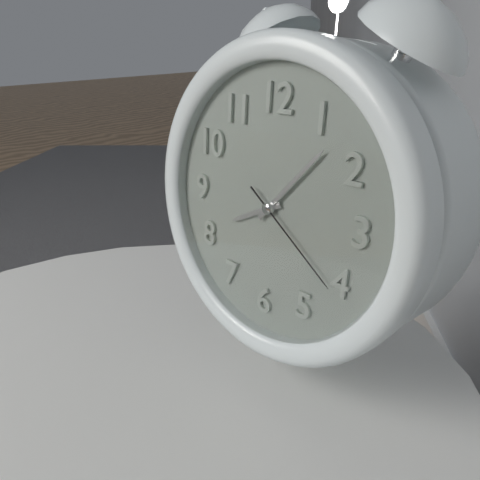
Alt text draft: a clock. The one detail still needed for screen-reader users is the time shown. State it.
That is 8:07:21
